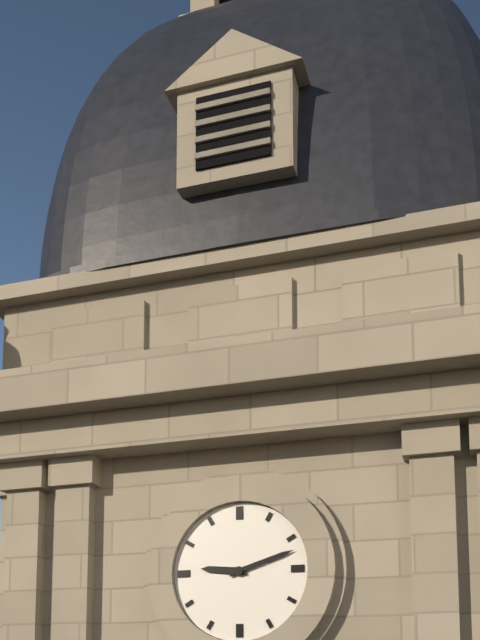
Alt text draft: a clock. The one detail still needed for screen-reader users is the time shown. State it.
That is 9:12
